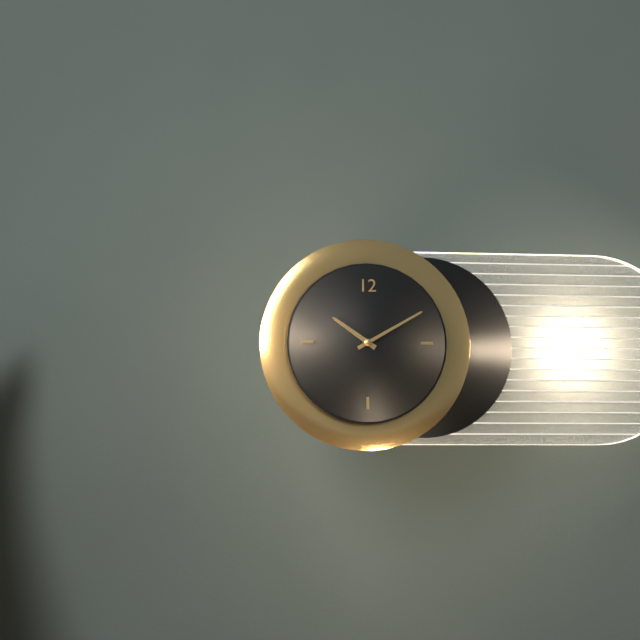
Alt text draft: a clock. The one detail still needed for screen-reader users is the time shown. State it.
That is 10:10
